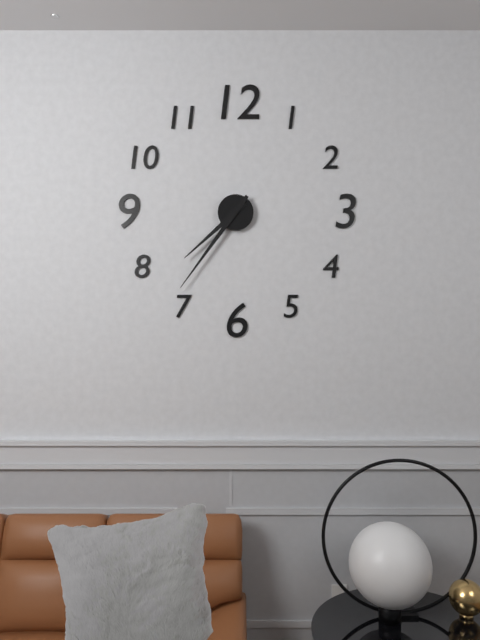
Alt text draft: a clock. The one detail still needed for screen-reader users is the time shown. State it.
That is 7:36
